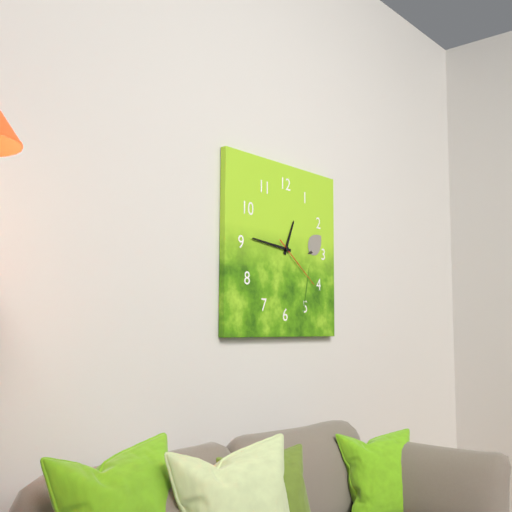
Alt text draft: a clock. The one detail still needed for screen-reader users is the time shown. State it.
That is 12:46:21
